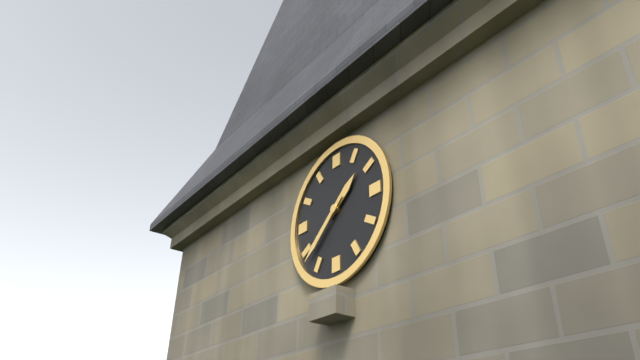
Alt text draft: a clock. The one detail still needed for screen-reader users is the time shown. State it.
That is 1:38
